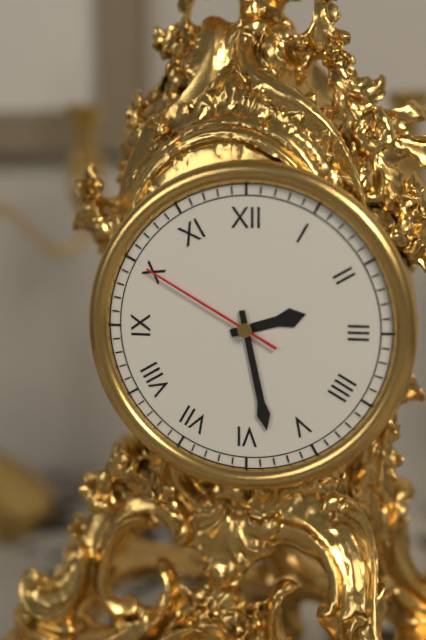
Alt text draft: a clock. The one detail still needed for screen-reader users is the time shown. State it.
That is 2:28:50
